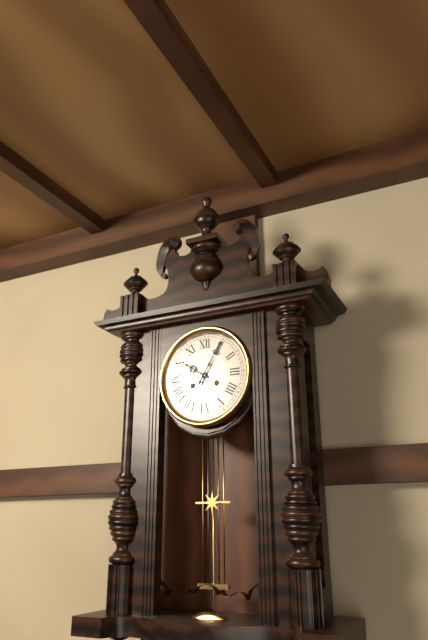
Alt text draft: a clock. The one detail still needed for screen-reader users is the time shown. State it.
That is 10:05
